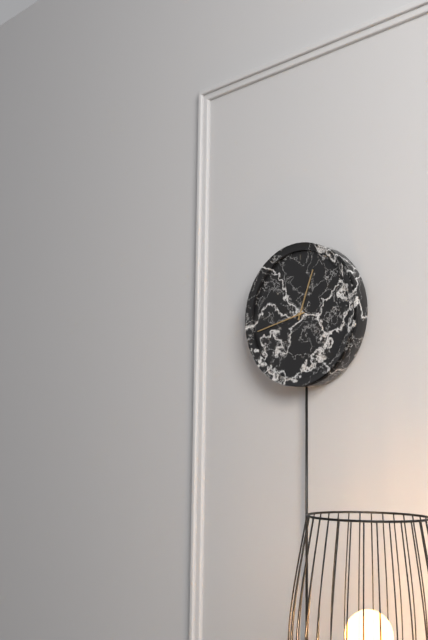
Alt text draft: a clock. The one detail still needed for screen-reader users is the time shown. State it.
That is 12:43
